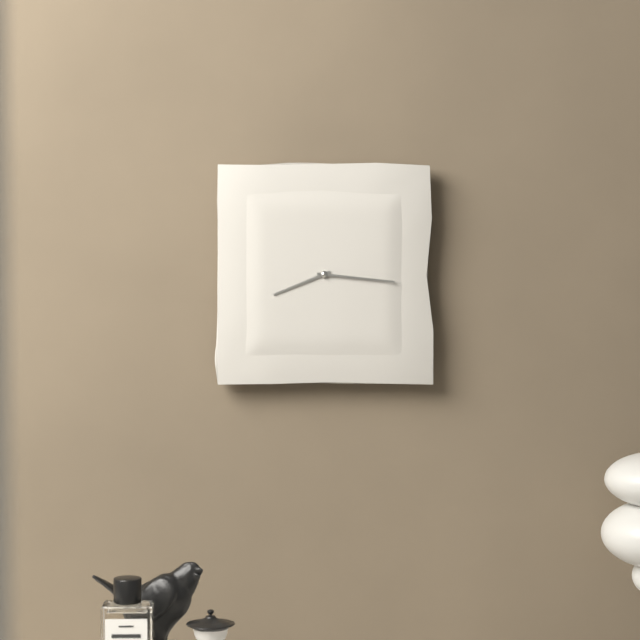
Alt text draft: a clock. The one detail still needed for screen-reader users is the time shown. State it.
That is 8:16
